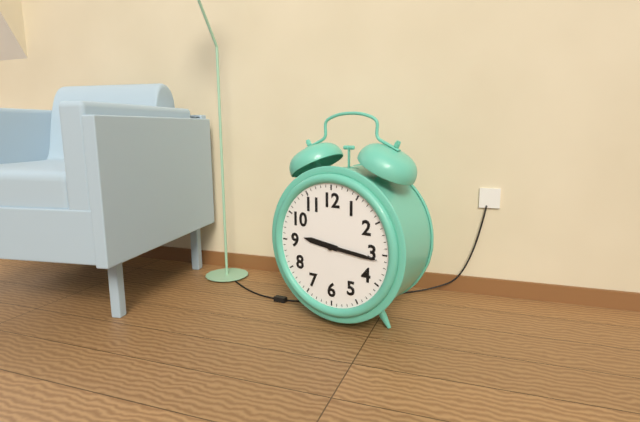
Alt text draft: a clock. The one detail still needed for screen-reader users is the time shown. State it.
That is 9:16
